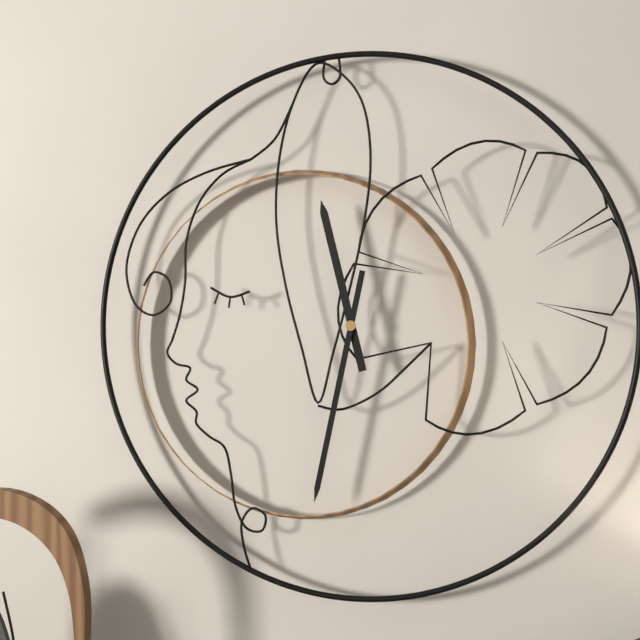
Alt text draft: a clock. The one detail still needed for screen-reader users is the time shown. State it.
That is 11:32
